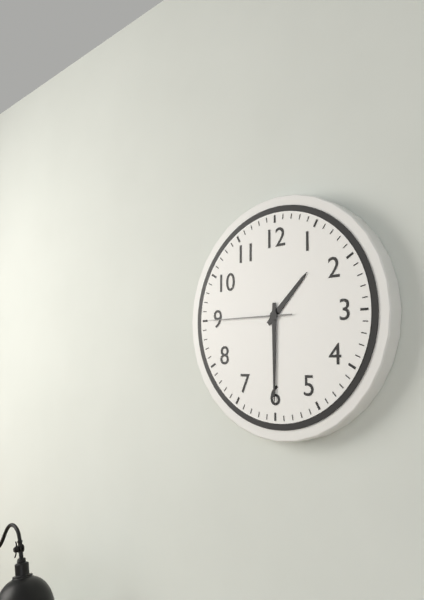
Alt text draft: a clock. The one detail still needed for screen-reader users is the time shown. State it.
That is 1:30:45
